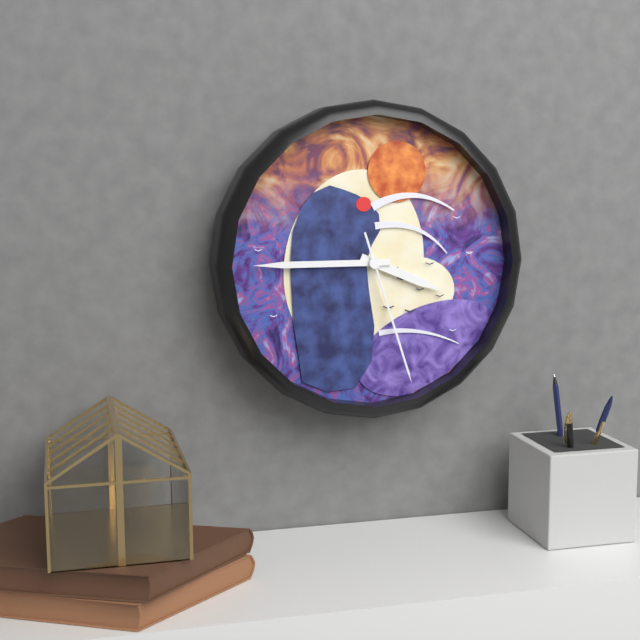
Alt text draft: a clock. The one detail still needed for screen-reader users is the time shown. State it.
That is 3:45:27
